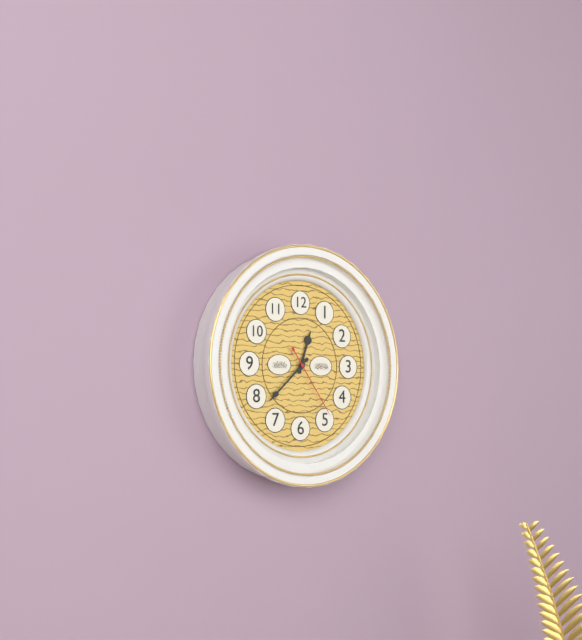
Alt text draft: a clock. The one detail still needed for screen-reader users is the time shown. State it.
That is 12:38:24
